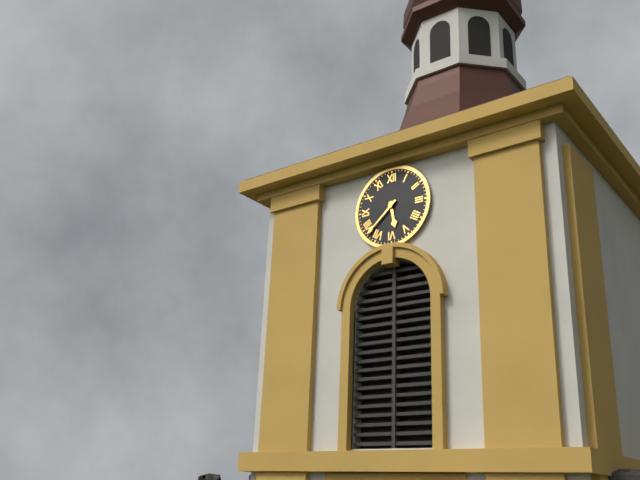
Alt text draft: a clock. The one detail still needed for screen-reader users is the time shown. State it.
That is 5:38
